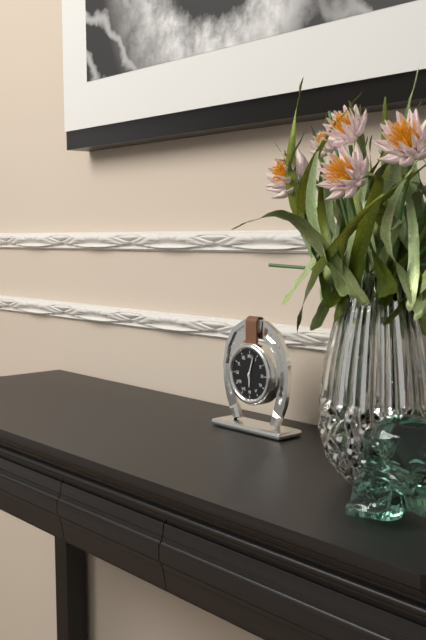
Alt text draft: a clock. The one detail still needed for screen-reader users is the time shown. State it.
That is 6:03
